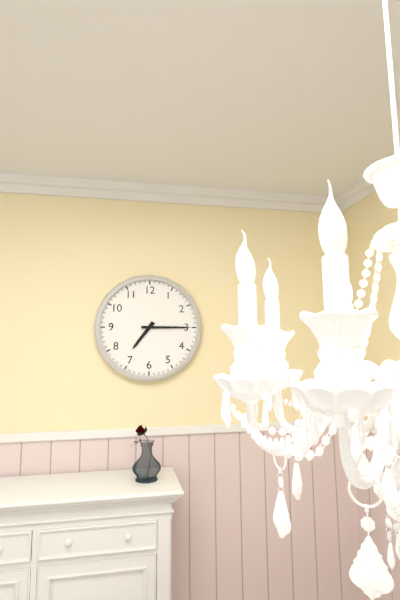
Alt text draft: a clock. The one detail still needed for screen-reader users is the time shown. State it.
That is 7:15
